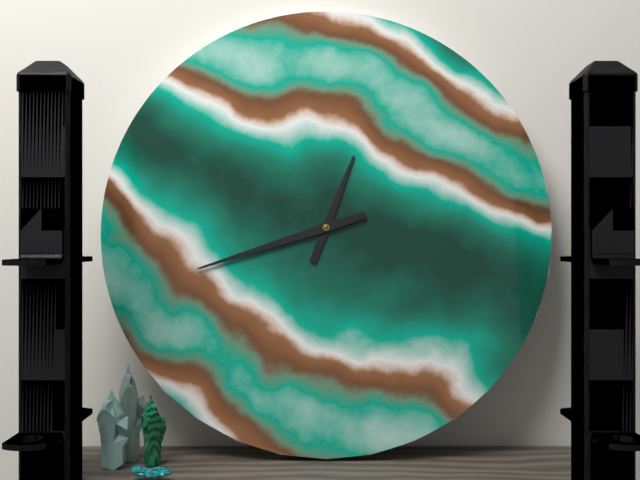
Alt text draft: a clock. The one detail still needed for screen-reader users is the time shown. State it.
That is 12:42
